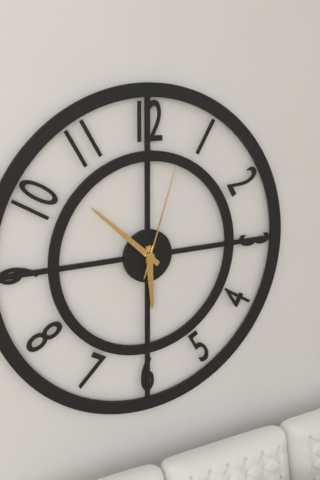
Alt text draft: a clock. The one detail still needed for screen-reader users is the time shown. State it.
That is 5:52:03
